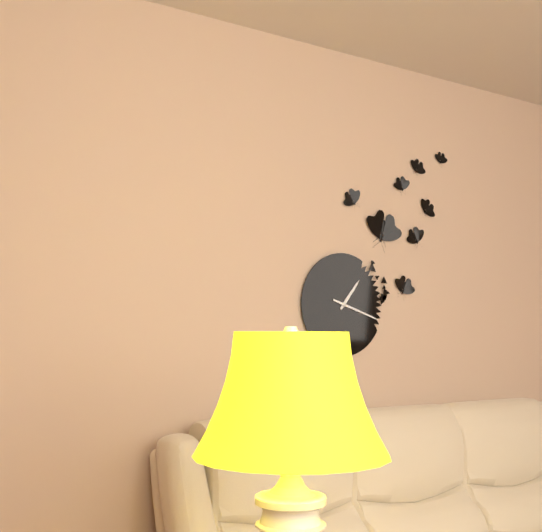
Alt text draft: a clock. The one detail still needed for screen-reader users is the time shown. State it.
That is 1:18
